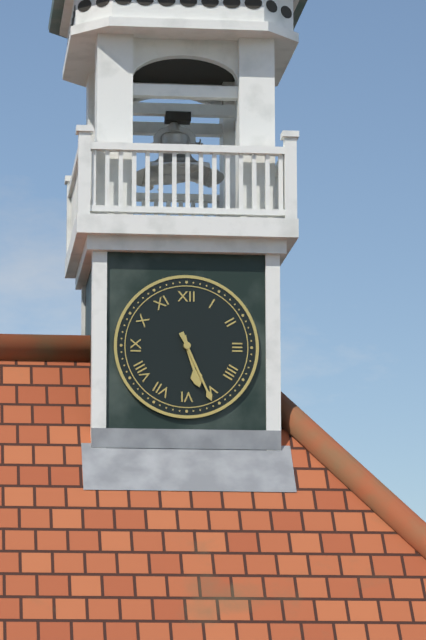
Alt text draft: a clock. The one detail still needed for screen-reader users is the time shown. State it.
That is 5:26
